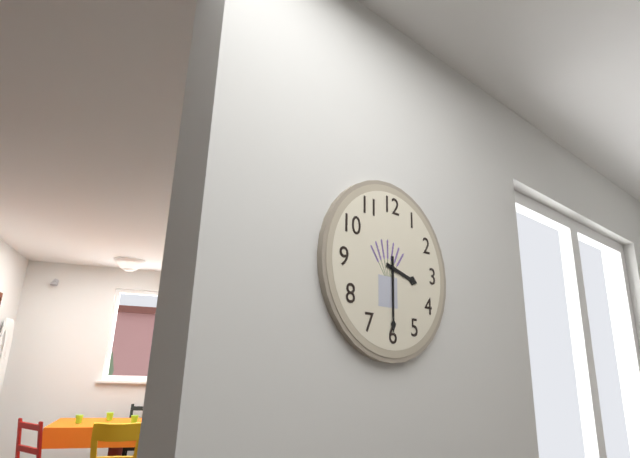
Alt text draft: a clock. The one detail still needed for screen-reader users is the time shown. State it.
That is 3:30
